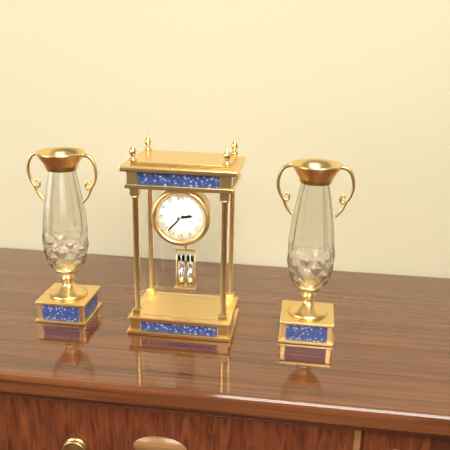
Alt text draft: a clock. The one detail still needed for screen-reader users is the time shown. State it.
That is 2:37
